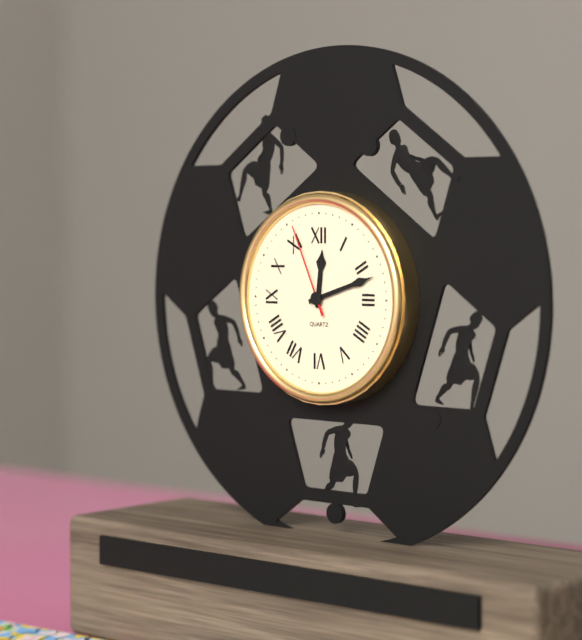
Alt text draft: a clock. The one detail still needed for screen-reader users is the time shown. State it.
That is 12:12:56
